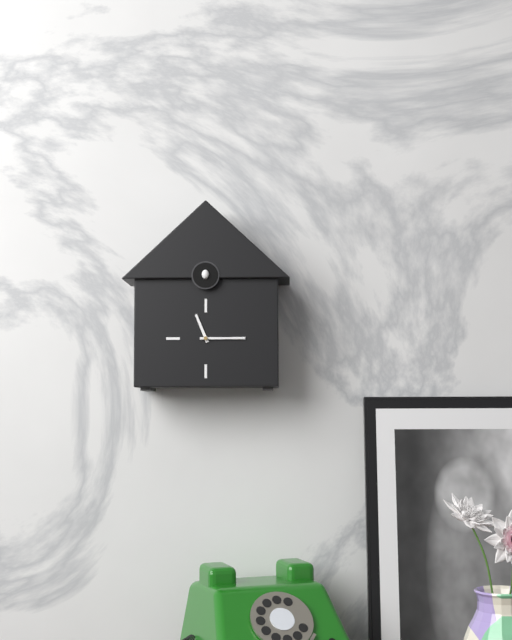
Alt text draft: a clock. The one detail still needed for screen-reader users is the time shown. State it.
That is 11:15
